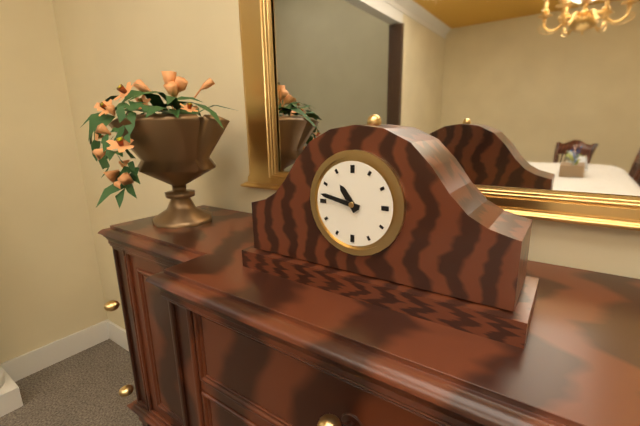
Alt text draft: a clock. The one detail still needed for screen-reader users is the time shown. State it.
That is 10:47
